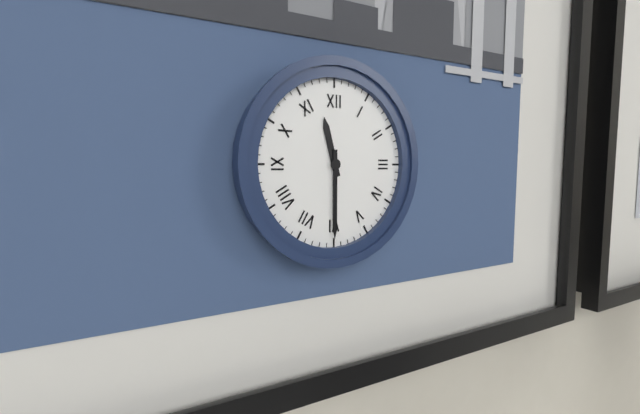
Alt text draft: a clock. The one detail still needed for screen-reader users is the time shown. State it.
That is 11:30
